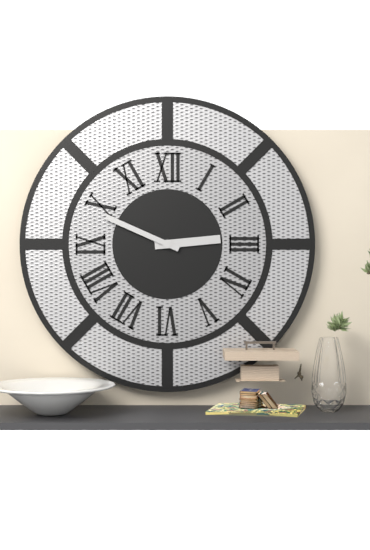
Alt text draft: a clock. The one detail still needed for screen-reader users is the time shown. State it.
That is 2:49
